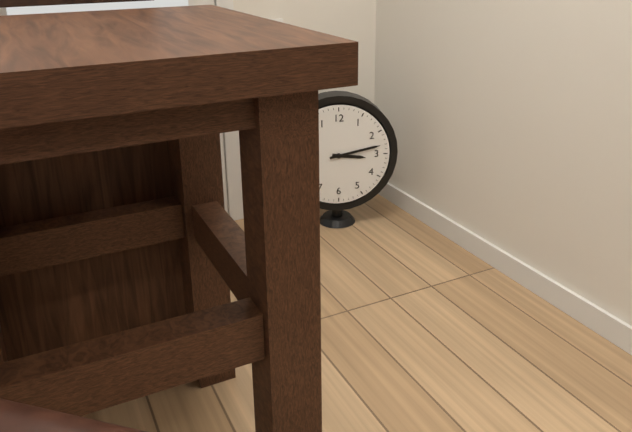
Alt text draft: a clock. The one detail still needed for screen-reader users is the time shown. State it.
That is 3:13
